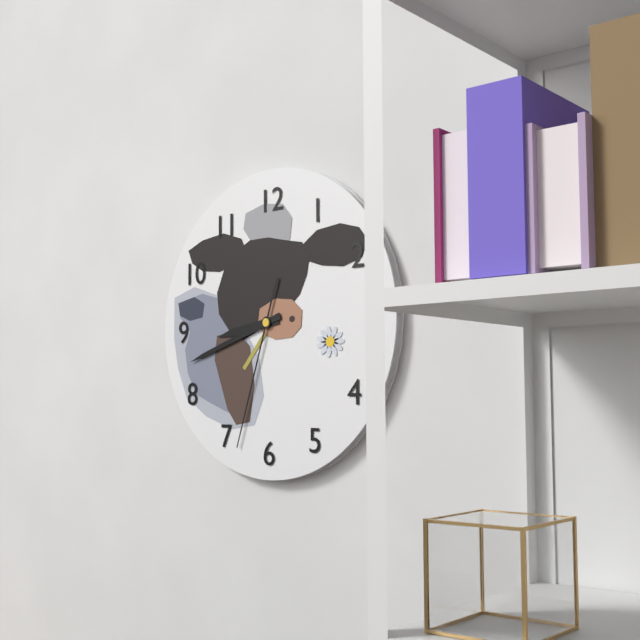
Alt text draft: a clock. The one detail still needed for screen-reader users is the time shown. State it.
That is 8:42:33
